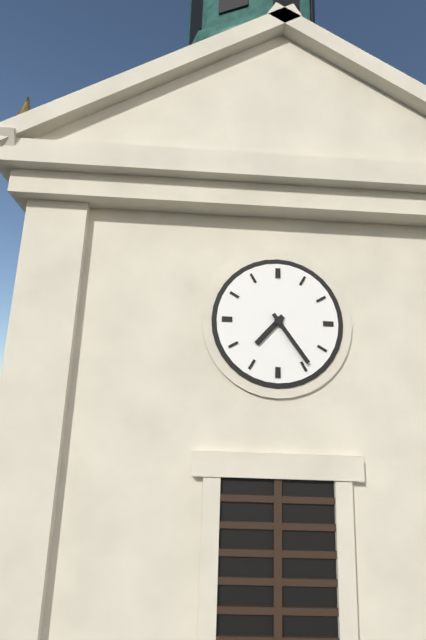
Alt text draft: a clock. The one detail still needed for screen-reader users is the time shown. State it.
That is 7:24
